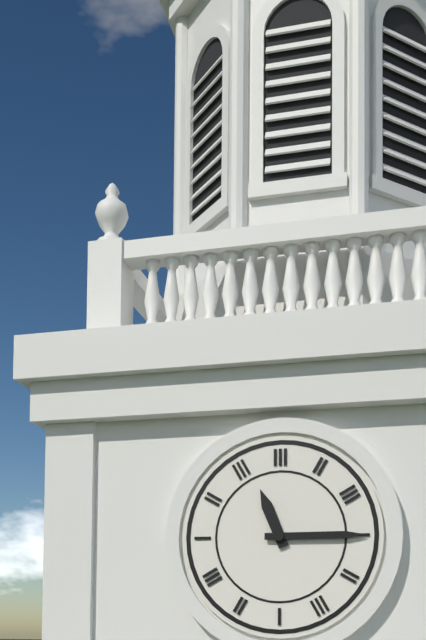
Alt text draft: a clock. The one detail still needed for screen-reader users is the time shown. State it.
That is 11:15
